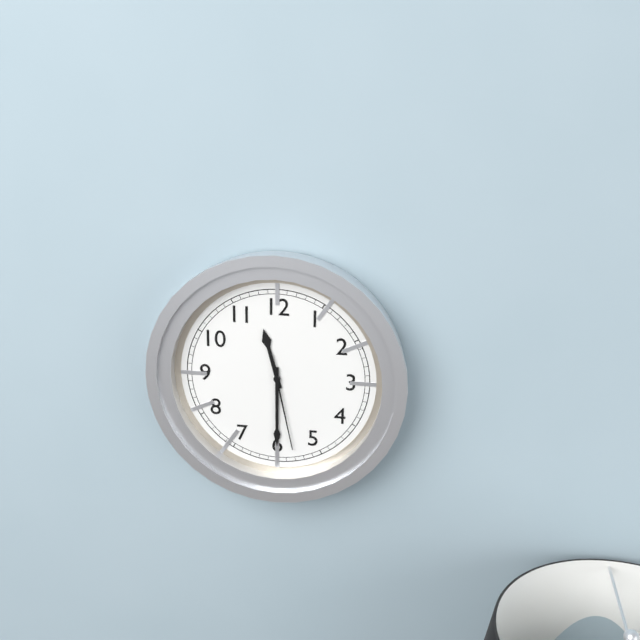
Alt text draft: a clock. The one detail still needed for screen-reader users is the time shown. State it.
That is 11:30:28
